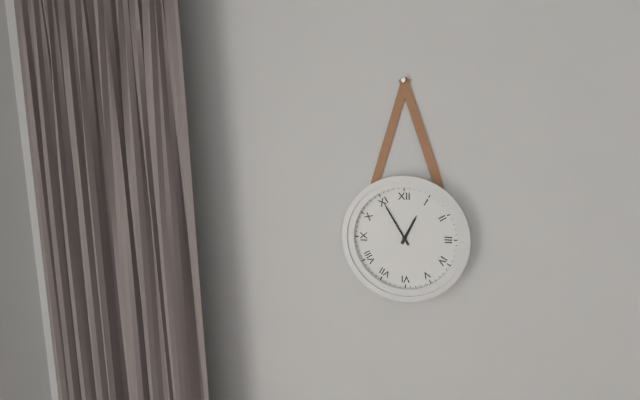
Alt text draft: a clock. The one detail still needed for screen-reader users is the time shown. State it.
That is 12:55
